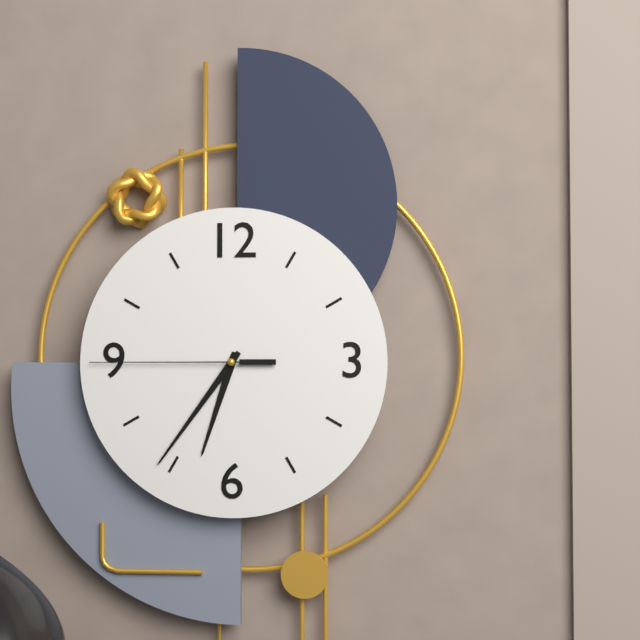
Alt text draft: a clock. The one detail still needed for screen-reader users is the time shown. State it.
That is 6:36:45
